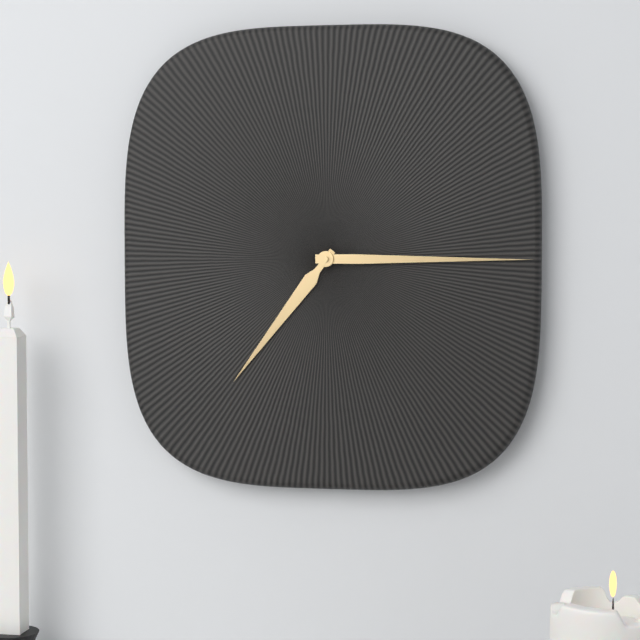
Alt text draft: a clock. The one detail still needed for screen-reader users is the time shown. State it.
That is 7:15
